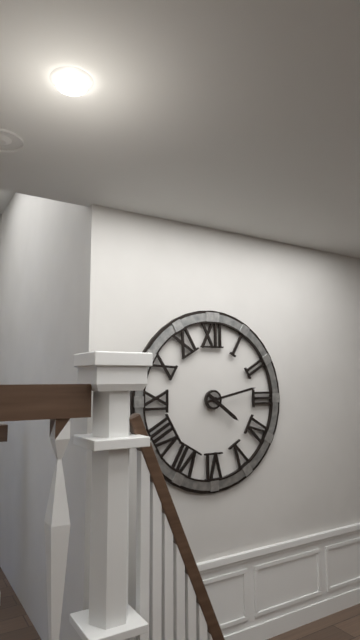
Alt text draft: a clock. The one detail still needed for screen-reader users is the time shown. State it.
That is 4:13
